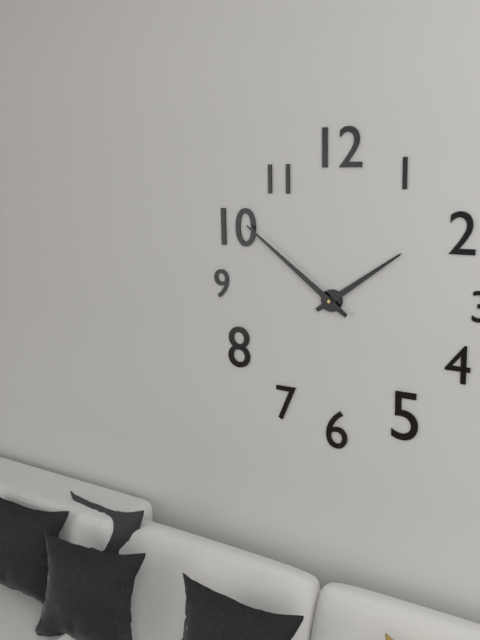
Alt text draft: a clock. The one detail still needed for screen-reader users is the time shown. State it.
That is 1:51
